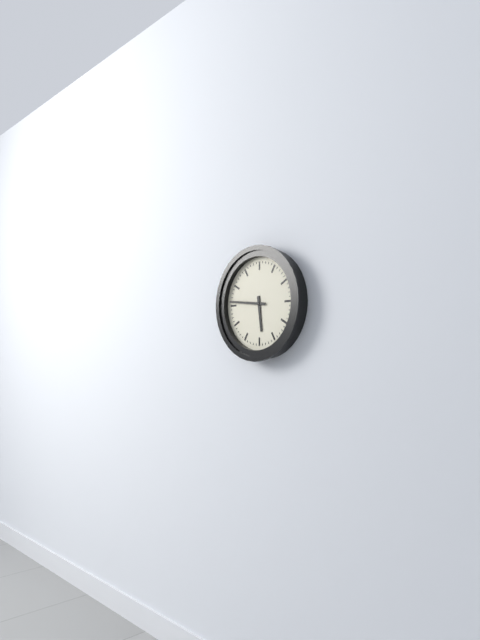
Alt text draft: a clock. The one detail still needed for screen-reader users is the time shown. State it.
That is 5:46
